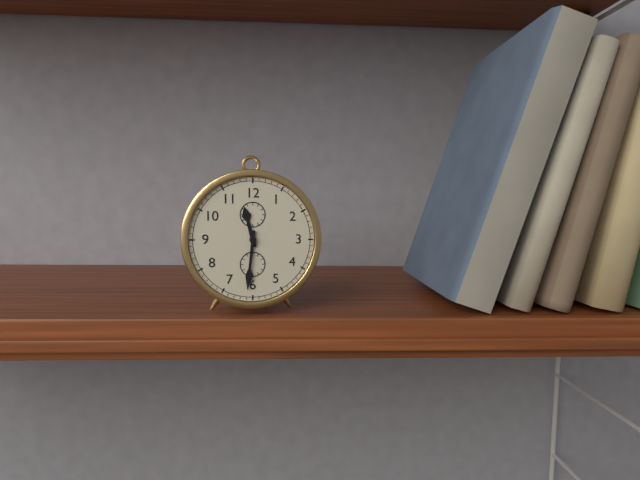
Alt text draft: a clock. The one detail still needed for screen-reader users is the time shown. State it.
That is 11:31
